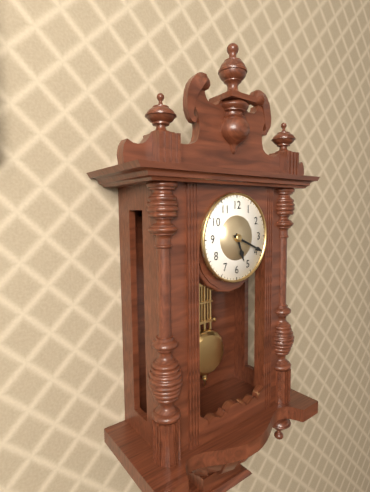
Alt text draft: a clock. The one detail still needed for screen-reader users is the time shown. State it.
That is 5:19
